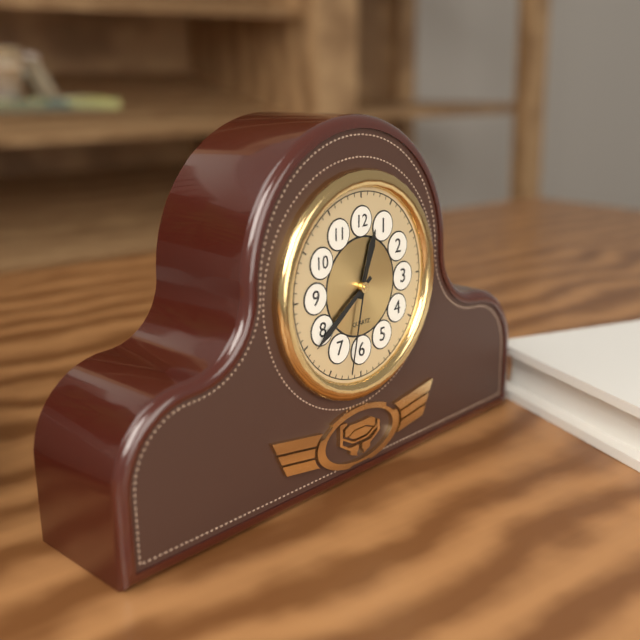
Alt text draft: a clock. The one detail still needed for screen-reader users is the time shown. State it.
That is 12:39:32
